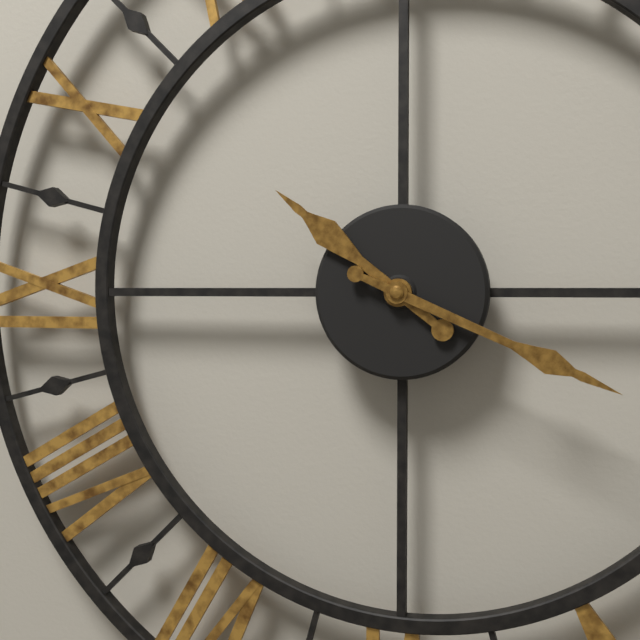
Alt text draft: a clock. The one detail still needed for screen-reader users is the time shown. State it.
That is 10:19
